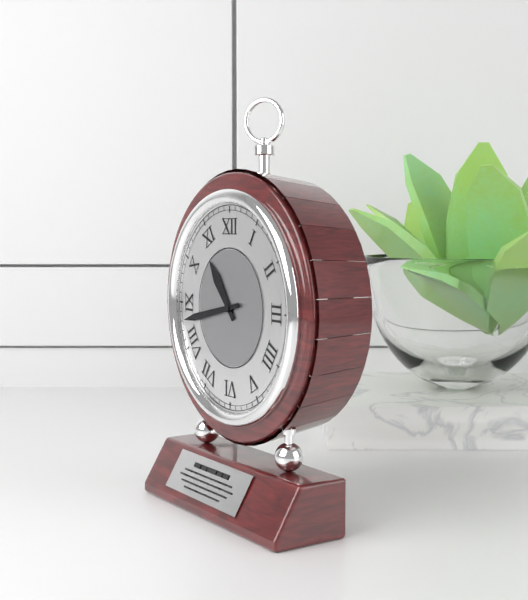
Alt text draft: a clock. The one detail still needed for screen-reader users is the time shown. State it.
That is 10:43
